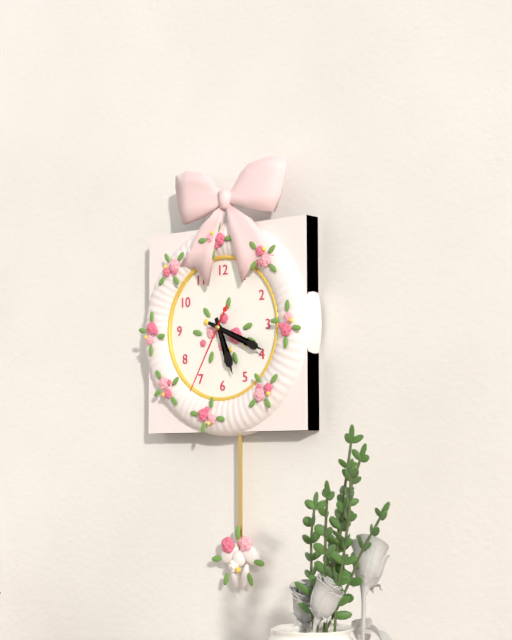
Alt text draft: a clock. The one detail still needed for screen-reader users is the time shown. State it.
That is 5:19:35
